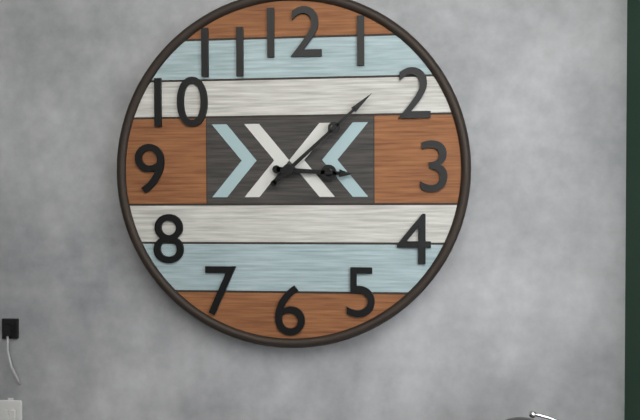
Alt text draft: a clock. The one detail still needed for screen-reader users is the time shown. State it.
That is 3:08
